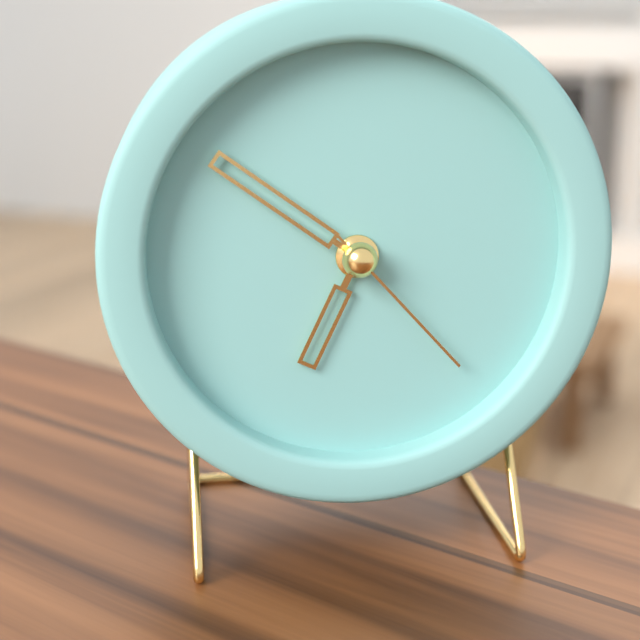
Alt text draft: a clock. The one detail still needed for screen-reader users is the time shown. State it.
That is 6:51:23
